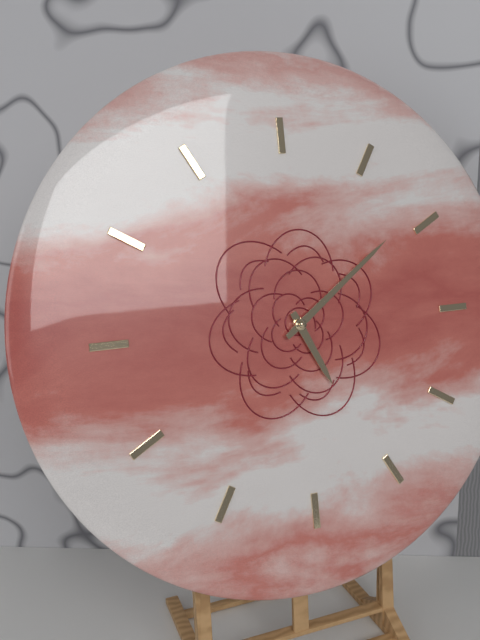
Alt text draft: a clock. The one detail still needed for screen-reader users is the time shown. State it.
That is 5:09
